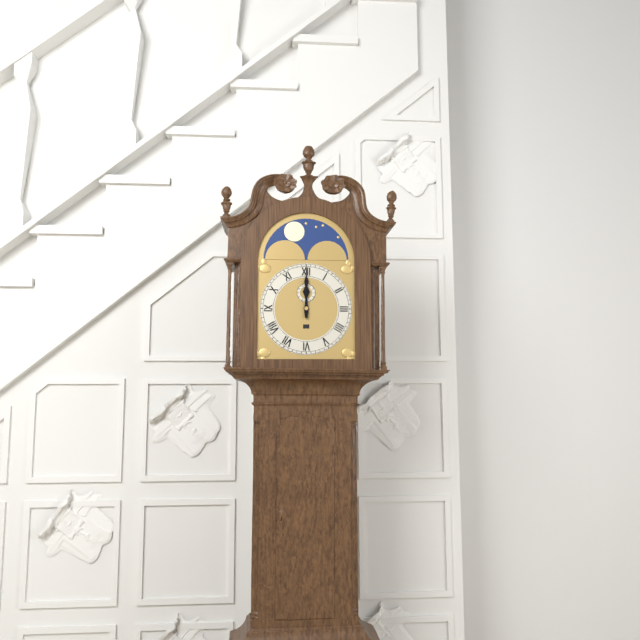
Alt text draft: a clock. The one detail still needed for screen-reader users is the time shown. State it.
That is 12:00
